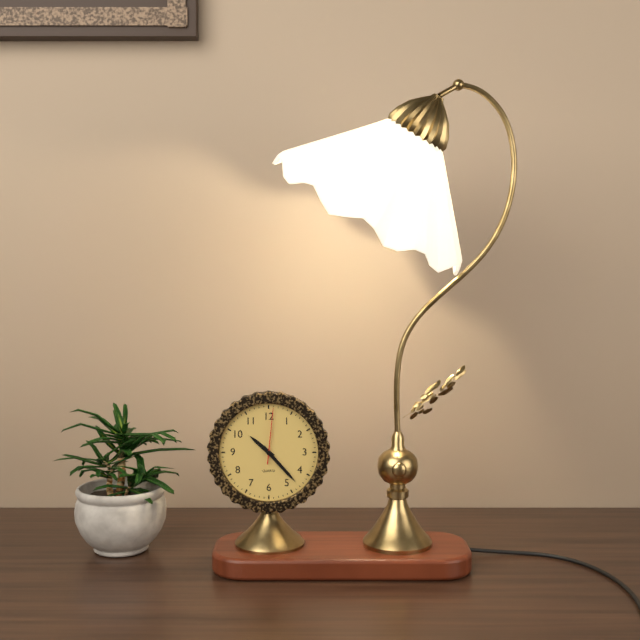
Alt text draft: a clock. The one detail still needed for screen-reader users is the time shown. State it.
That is 10:23:01
